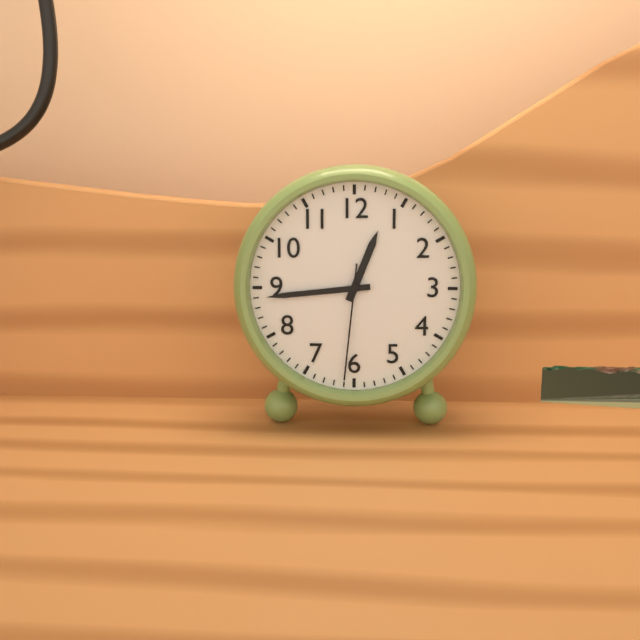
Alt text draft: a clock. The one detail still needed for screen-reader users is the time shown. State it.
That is 12:44:31
